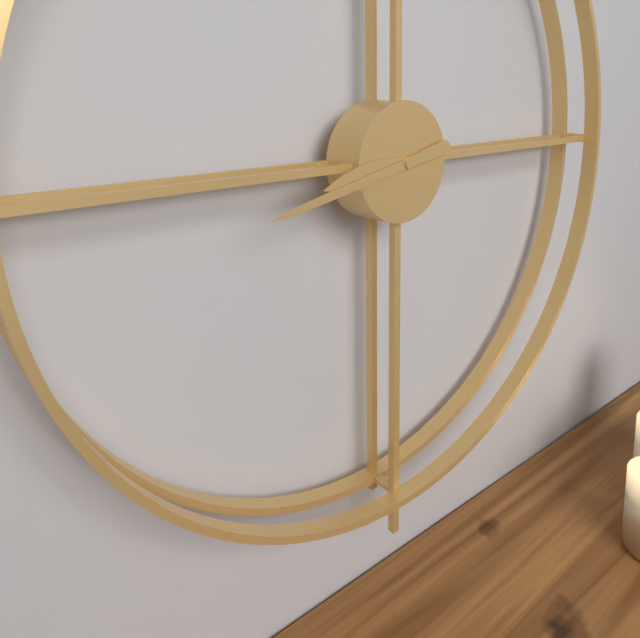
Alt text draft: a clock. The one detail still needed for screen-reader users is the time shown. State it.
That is 8:43
